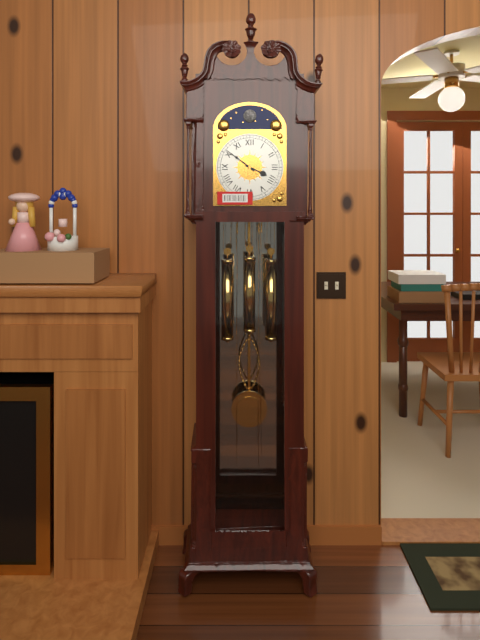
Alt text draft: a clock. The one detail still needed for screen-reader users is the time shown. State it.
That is 3:51
